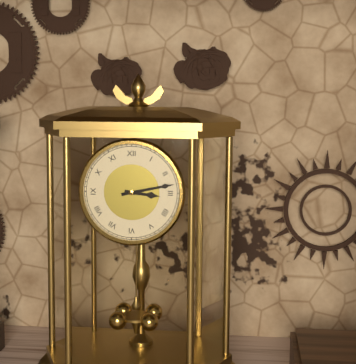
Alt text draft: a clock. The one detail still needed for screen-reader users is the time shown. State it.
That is 3:13
